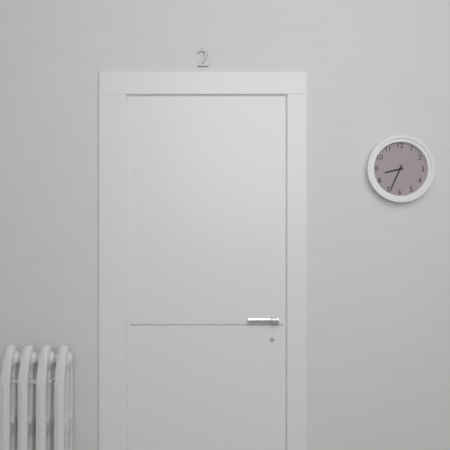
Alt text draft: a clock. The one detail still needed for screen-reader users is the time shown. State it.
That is 8:34
